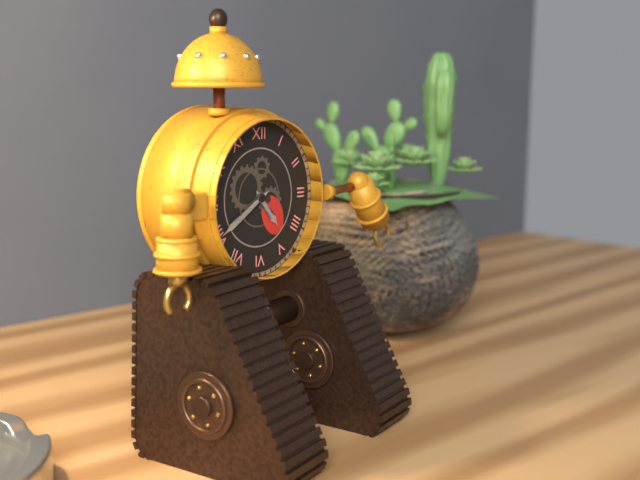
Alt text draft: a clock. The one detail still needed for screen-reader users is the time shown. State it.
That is 4:40
